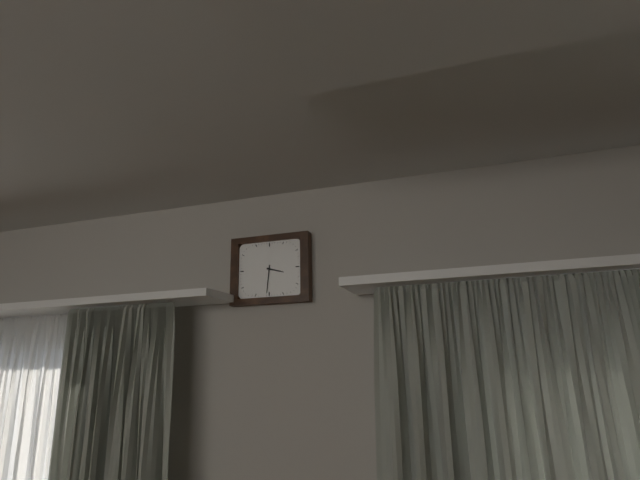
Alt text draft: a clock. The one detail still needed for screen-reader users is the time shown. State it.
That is 3:31
